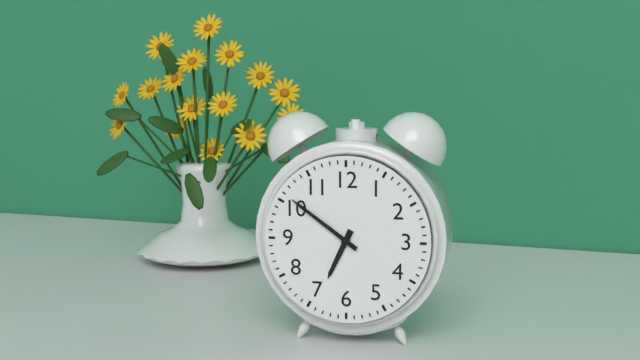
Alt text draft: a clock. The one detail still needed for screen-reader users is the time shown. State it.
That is 6:51
